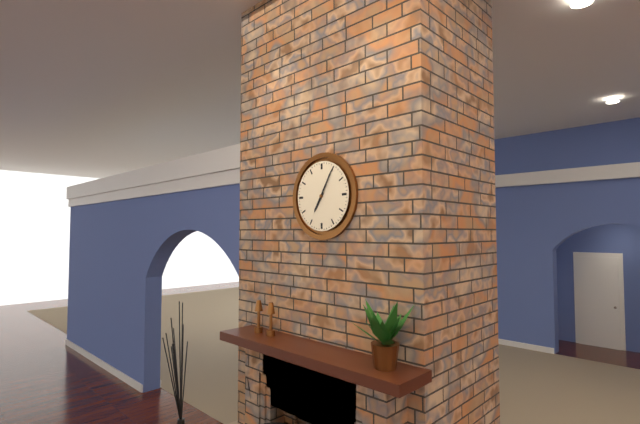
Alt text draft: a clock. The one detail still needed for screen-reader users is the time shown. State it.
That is 7:05
